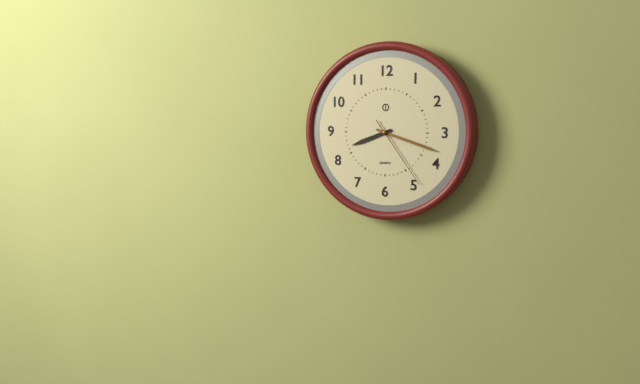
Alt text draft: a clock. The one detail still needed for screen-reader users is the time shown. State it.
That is 8:18:24
